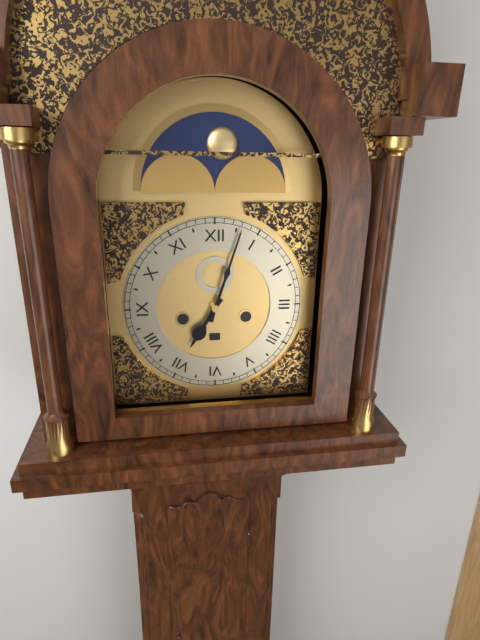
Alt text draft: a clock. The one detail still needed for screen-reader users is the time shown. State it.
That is 7:03
